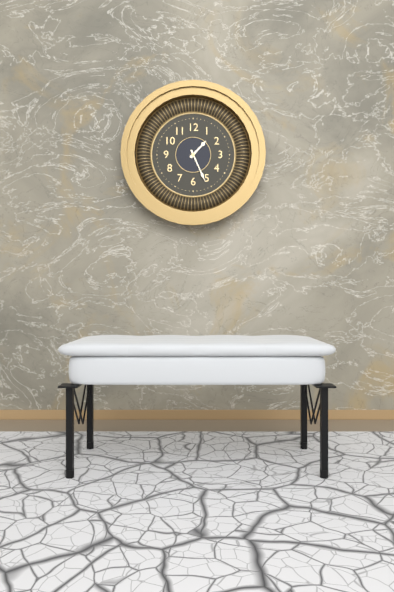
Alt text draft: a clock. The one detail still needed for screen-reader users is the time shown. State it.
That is 1:26
